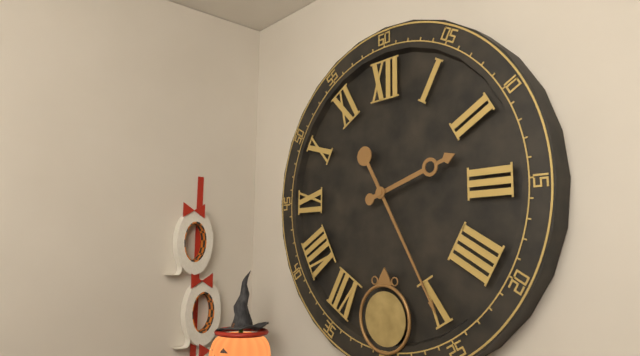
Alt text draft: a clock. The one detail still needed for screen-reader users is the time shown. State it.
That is 2:25
